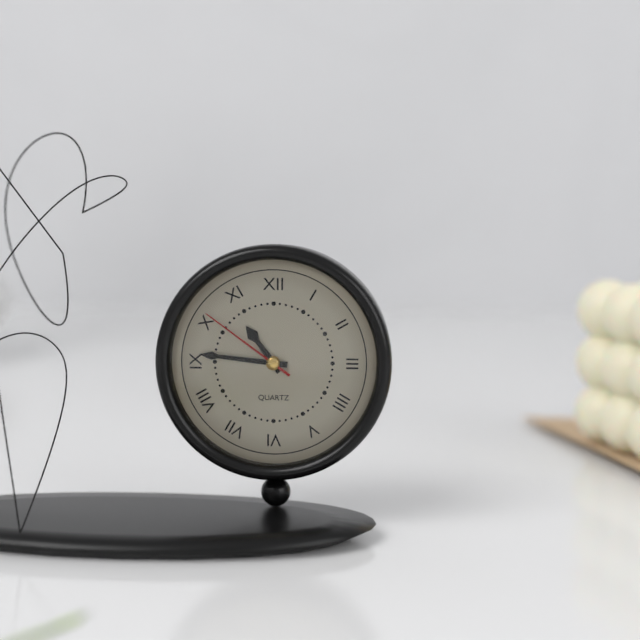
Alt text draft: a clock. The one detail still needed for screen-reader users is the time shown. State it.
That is 10:46:51
